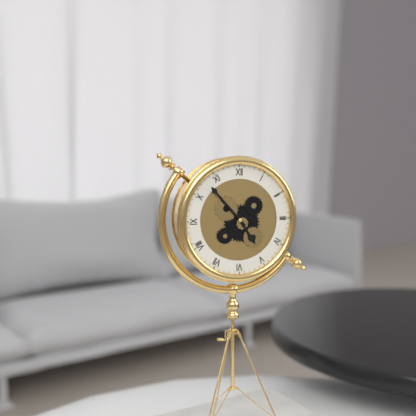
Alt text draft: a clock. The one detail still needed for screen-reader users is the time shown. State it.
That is 4:53
